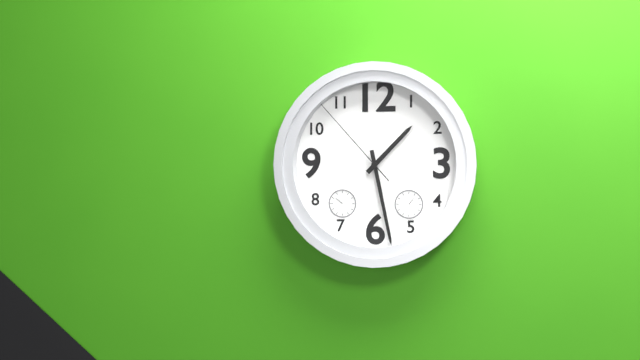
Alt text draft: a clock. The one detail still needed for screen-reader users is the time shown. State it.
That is 1:28:53
